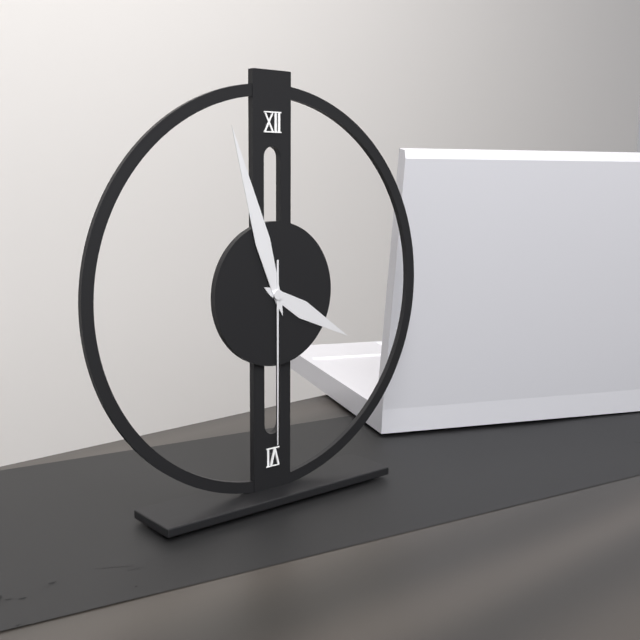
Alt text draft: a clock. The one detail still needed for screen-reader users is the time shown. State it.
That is 3:57:30
